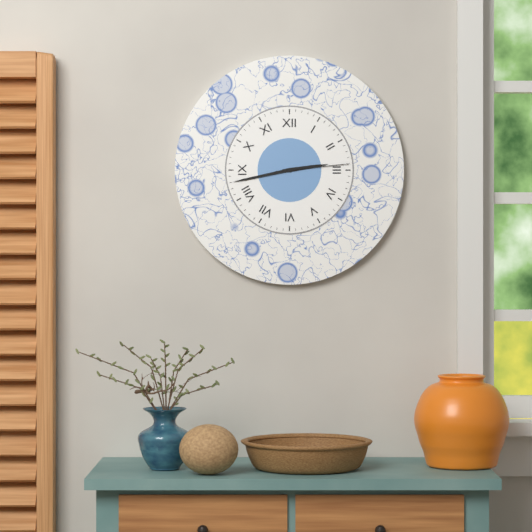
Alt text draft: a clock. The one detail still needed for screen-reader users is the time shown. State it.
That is 2:43:14
